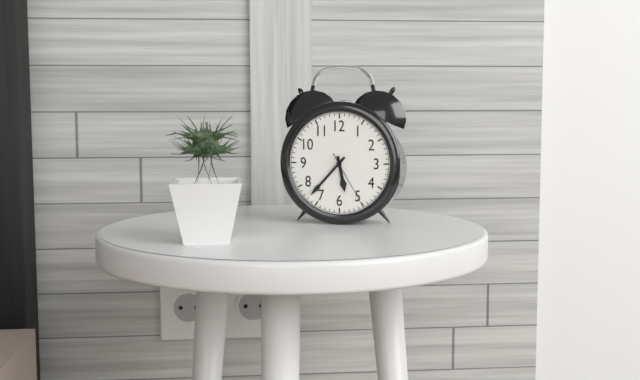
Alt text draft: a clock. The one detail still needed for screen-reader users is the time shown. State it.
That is 5:37:25
